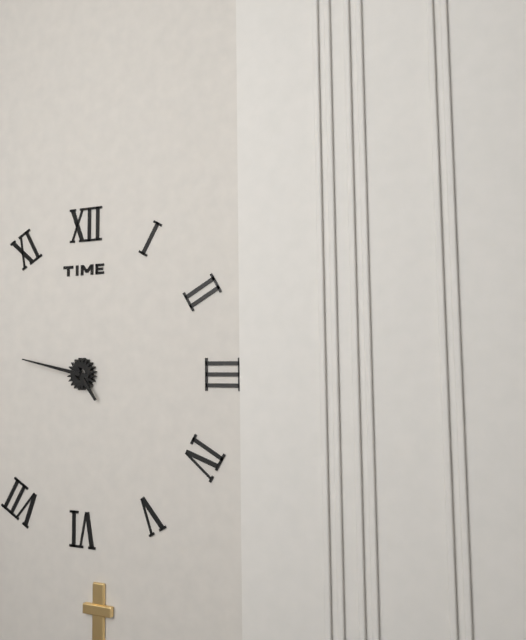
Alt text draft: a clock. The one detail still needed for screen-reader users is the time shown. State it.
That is 4:47
